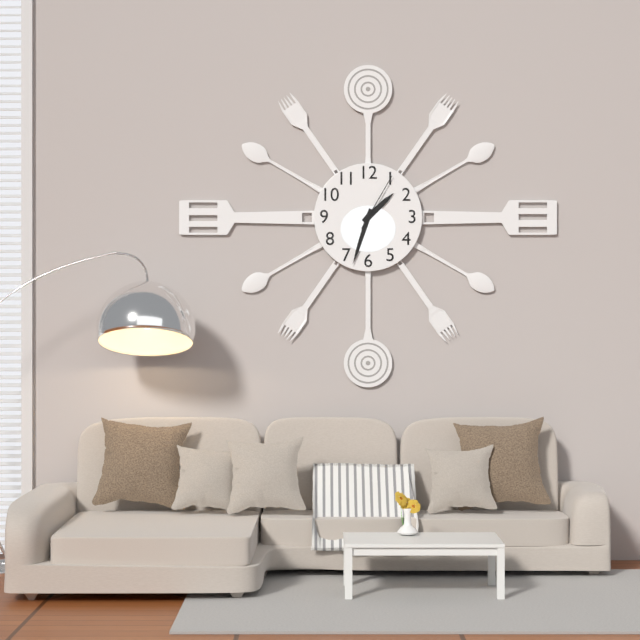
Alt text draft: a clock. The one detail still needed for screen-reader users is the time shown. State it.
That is 1:33:05
